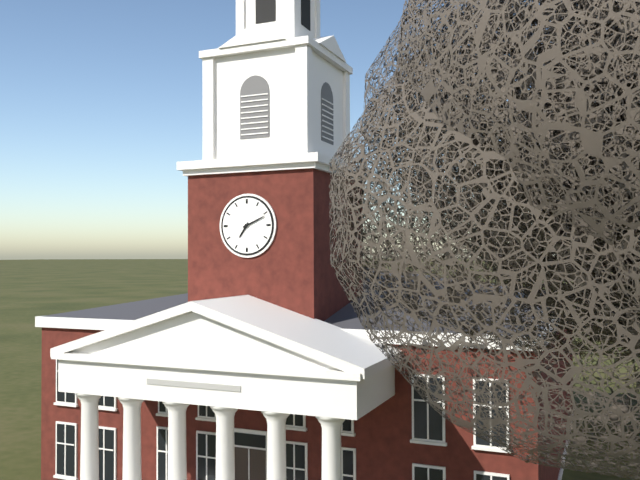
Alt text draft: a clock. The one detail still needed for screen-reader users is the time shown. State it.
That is 7:11
